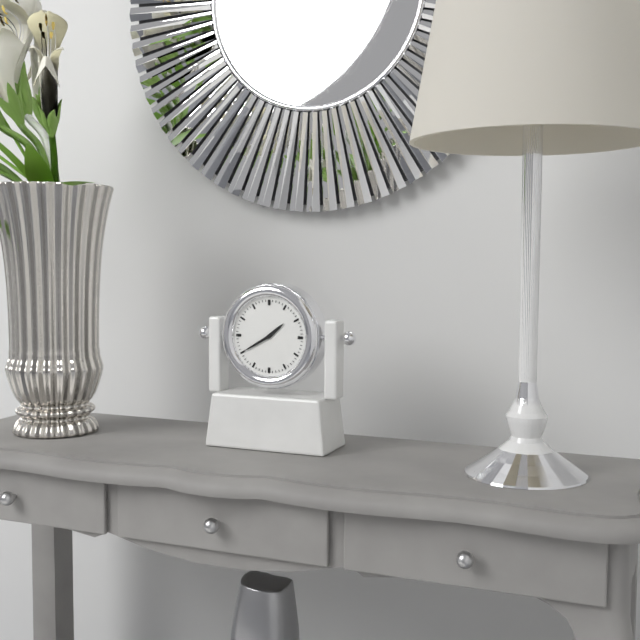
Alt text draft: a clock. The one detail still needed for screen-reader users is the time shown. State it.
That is 1:40
